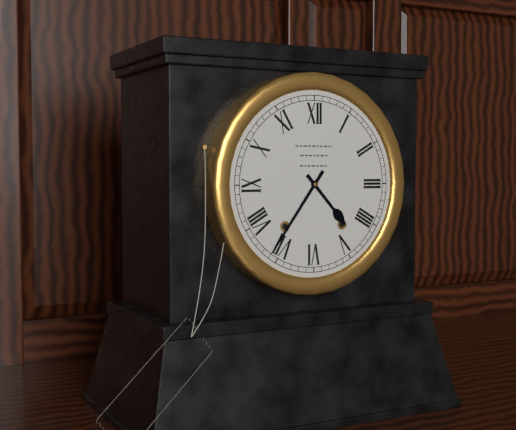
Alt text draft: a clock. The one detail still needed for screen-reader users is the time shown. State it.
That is 4:36
